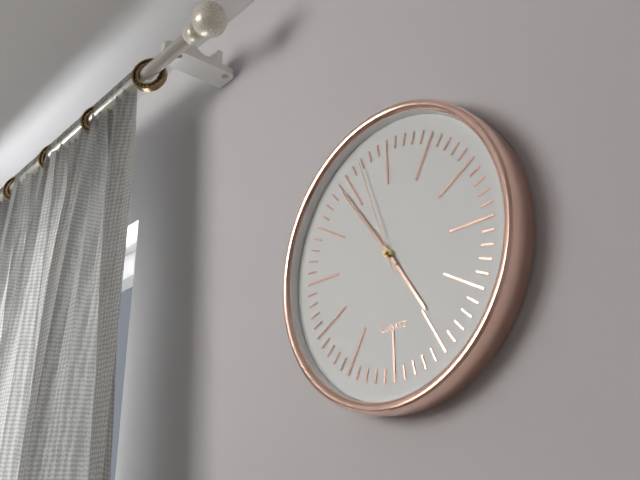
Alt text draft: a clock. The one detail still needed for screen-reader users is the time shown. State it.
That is 4:54:57
